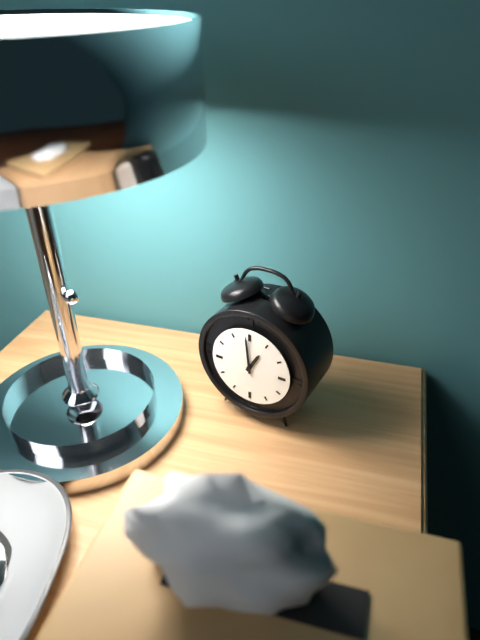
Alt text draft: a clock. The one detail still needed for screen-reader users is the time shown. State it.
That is 12:59
